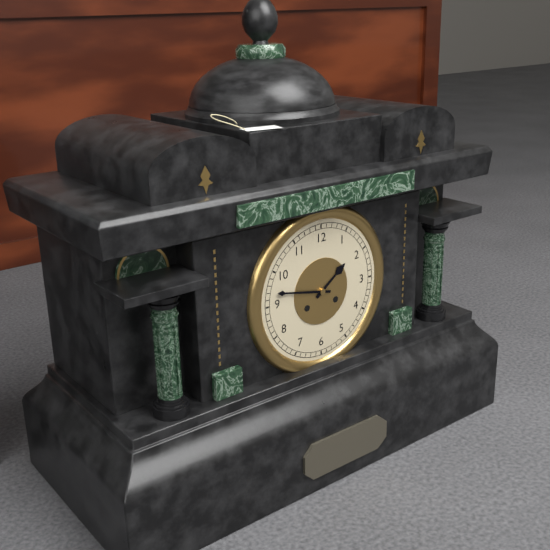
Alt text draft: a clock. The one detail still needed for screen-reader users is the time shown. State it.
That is 1:47
